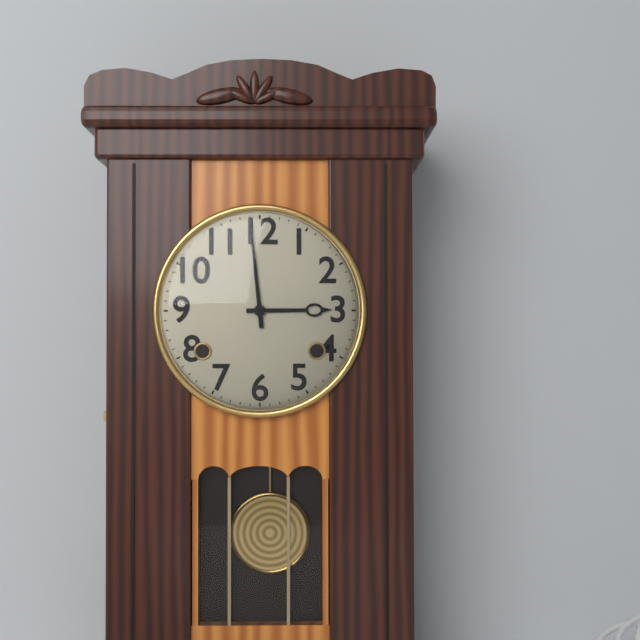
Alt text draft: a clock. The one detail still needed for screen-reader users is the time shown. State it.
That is 2:59
